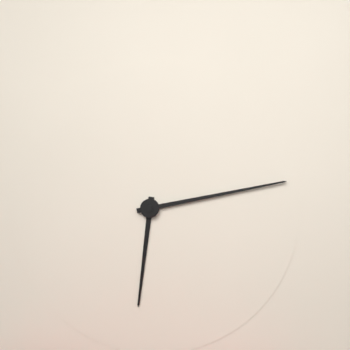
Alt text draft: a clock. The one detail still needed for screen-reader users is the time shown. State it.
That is 6:13
